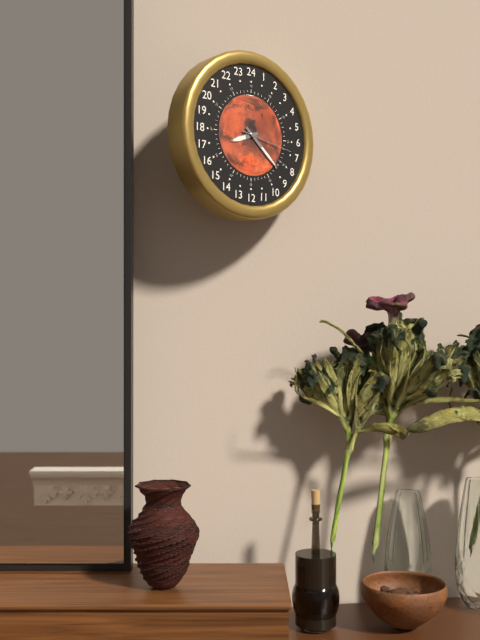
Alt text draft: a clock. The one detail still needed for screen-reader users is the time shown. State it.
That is 8:22:17
